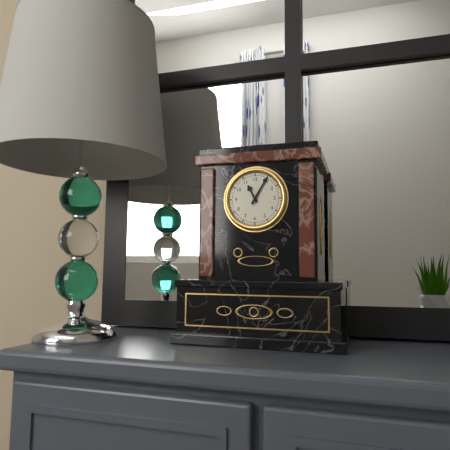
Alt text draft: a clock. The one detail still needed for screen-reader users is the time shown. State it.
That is 11:05
